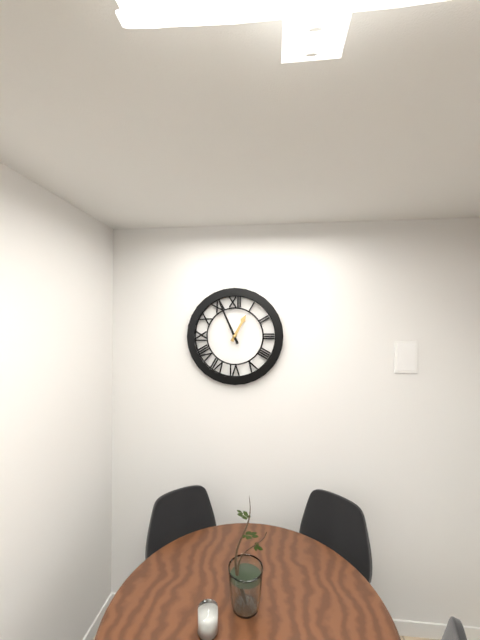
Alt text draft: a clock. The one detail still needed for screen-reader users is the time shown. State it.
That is 12:56
